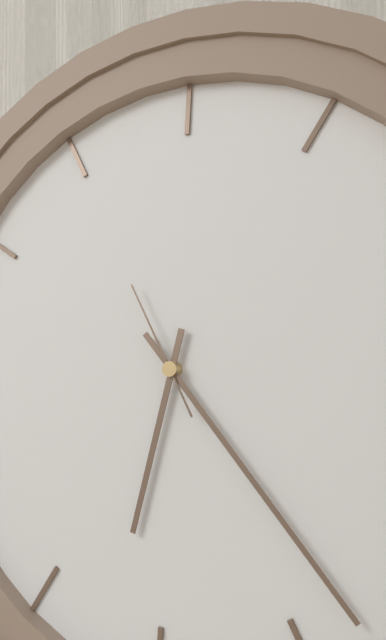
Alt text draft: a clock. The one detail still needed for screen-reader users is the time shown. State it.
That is 6:23:55
